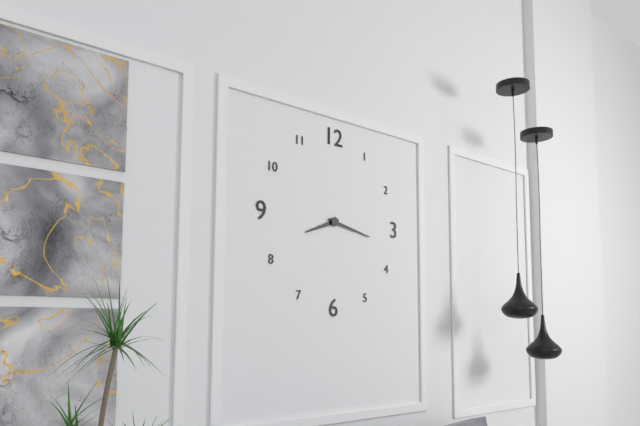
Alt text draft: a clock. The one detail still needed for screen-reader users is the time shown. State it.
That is 8:17
